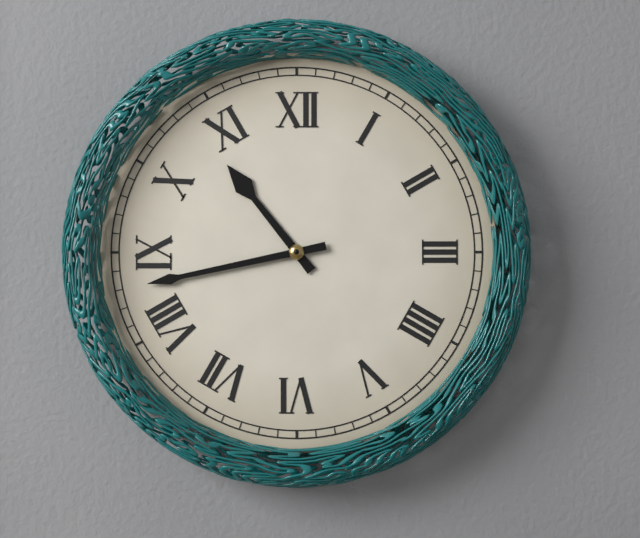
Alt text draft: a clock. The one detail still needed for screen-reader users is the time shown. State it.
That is 10:43
